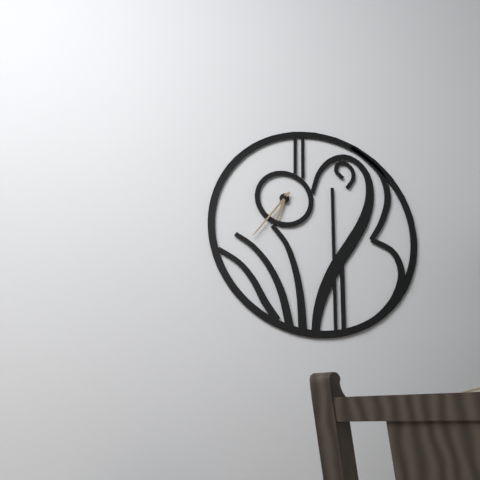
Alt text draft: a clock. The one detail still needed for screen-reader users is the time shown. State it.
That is 6:36
